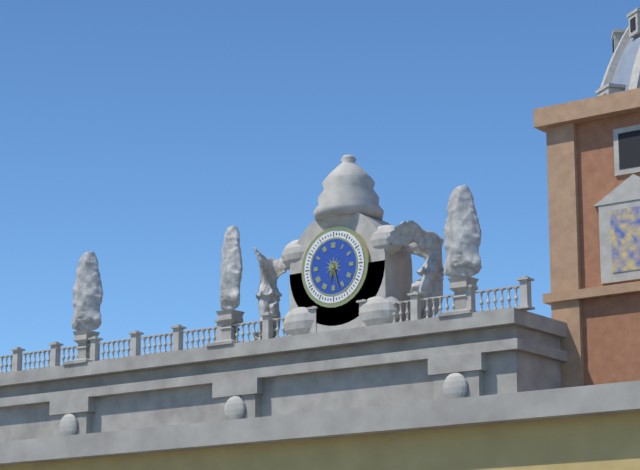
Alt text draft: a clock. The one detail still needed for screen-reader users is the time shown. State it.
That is 6:27
